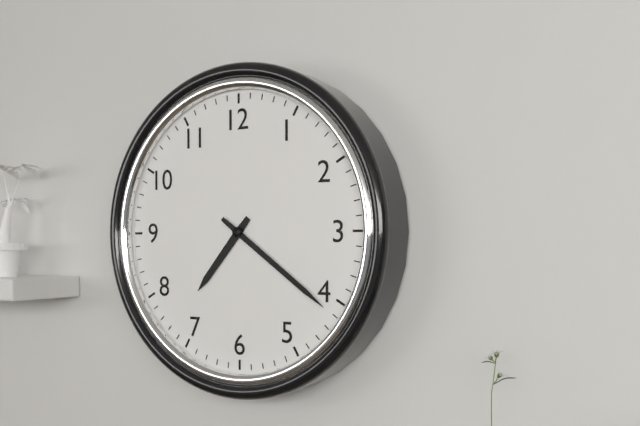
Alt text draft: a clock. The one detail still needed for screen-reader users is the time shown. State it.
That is 7:21
